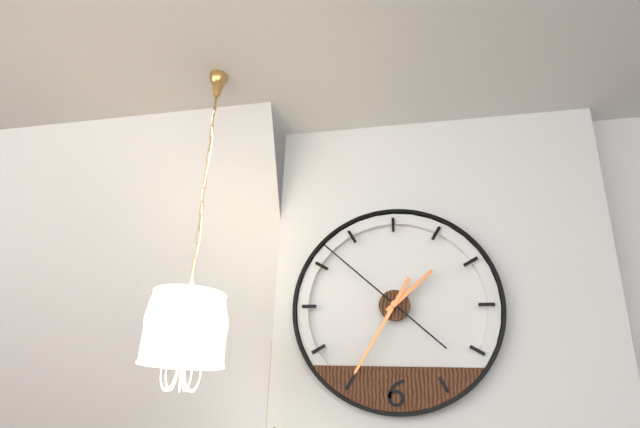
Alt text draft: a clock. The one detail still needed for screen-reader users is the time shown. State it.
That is 1:35:52
